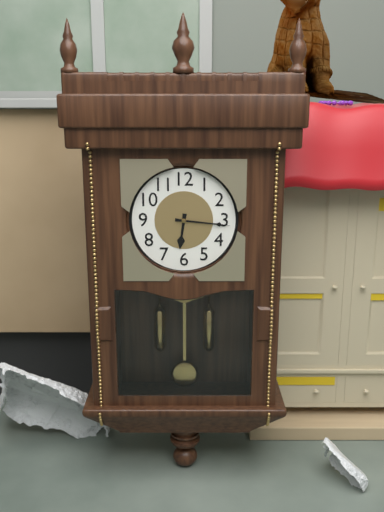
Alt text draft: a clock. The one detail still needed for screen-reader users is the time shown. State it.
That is 6:16
